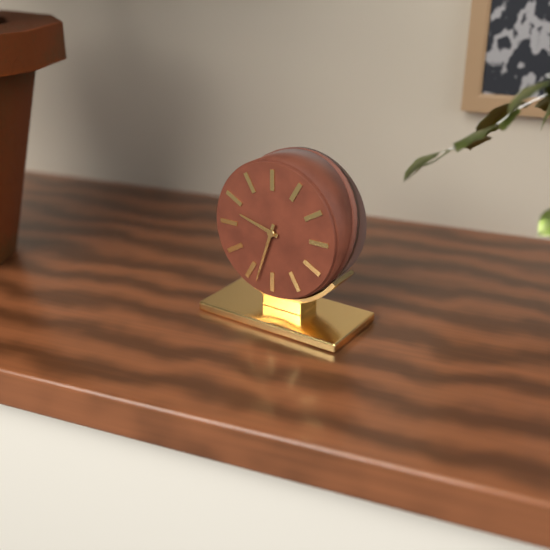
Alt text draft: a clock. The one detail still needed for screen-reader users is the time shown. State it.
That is 9:33
